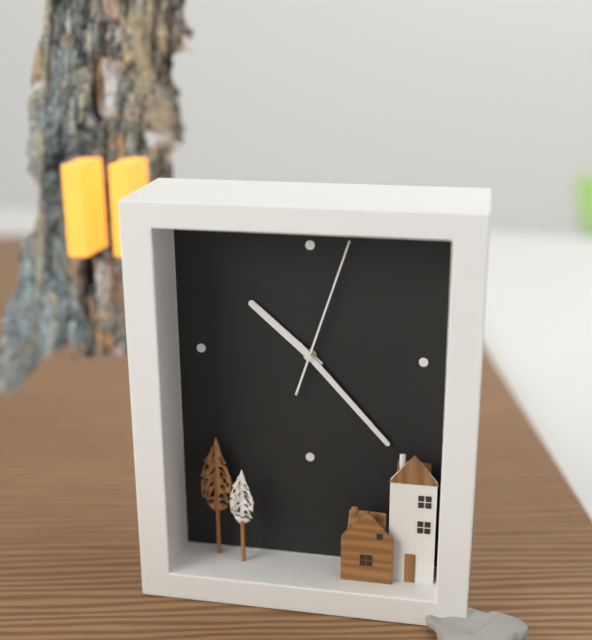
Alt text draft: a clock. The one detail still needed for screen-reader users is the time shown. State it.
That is 10:23:03
